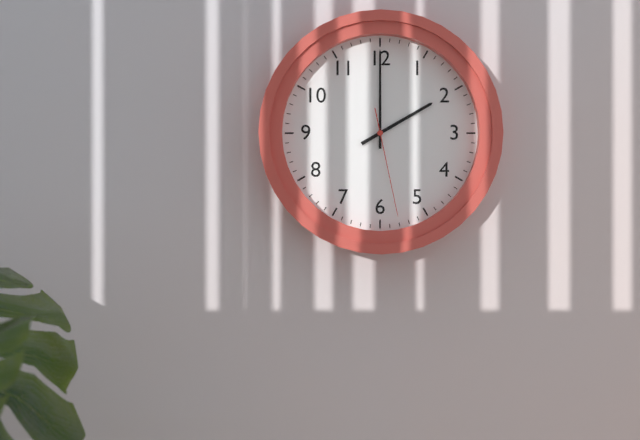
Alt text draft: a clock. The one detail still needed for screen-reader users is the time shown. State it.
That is 2:00:28
